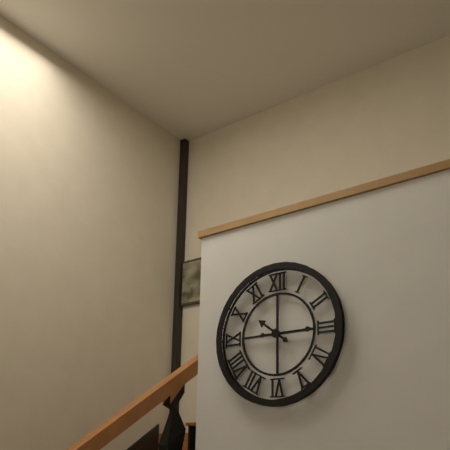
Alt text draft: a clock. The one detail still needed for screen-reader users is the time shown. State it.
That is 10:15
